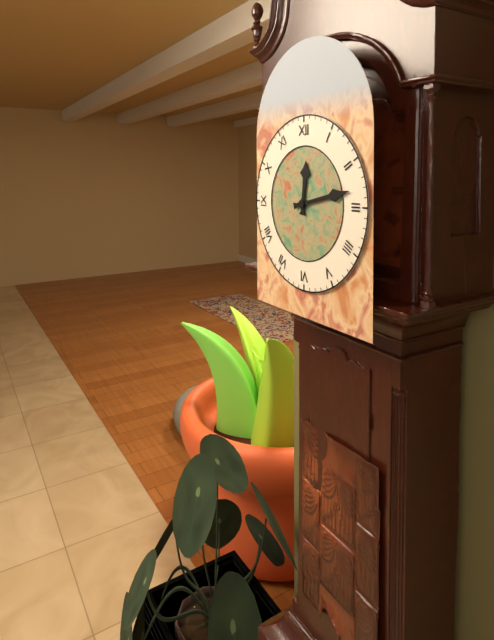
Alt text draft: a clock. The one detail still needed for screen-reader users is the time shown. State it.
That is 12:13
